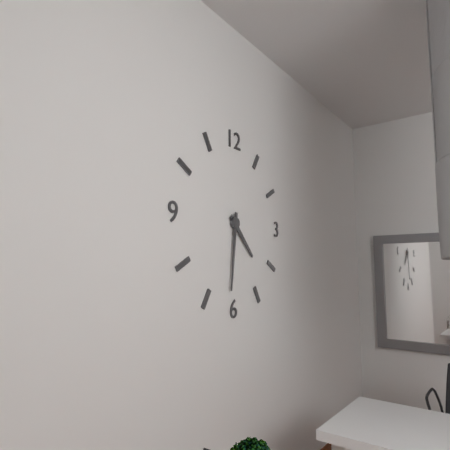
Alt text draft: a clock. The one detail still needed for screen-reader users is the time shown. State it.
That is 4:31
